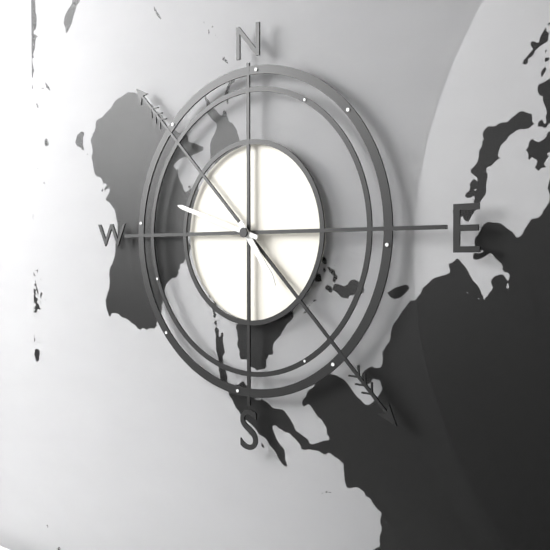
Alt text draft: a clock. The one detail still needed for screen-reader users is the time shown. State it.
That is 4:48
